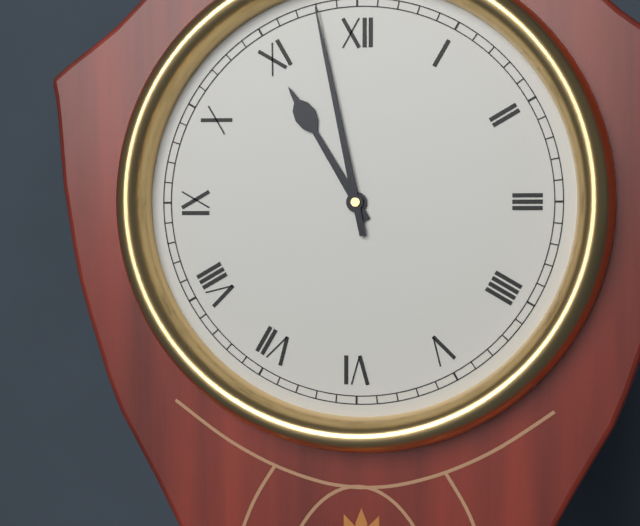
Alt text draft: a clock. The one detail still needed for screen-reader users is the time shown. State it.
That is 10:58
